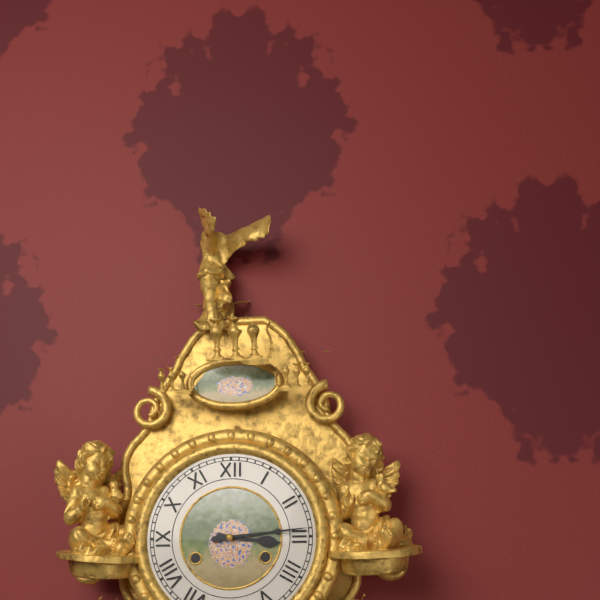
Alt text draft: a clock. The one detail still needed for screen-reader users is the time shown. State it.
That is 3:14
